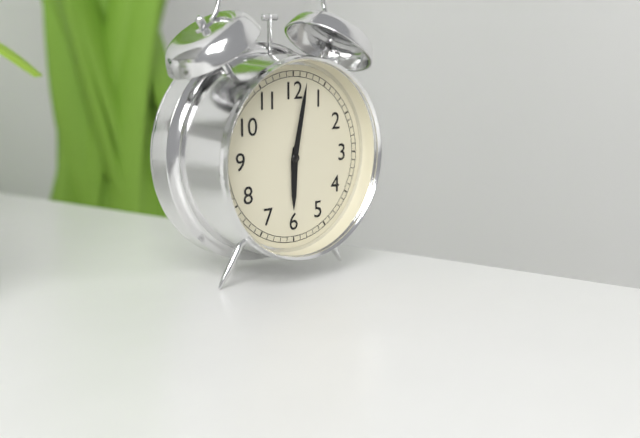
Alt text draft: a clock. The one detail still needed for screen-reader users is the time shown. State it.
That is 6:02
